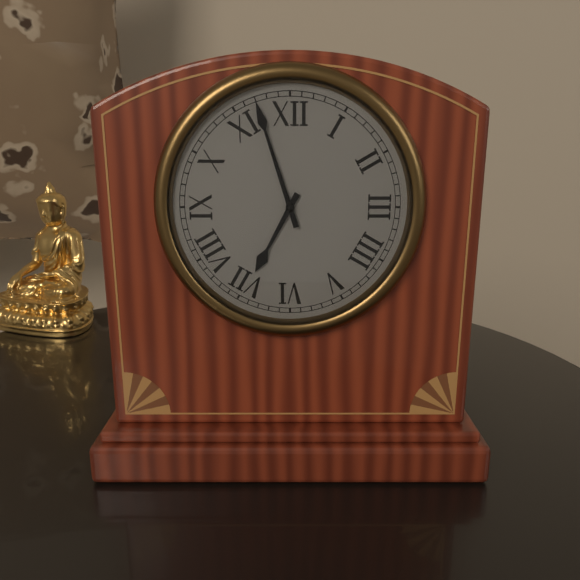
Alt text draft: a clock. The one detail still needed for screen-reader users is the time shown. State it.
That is 6:57
